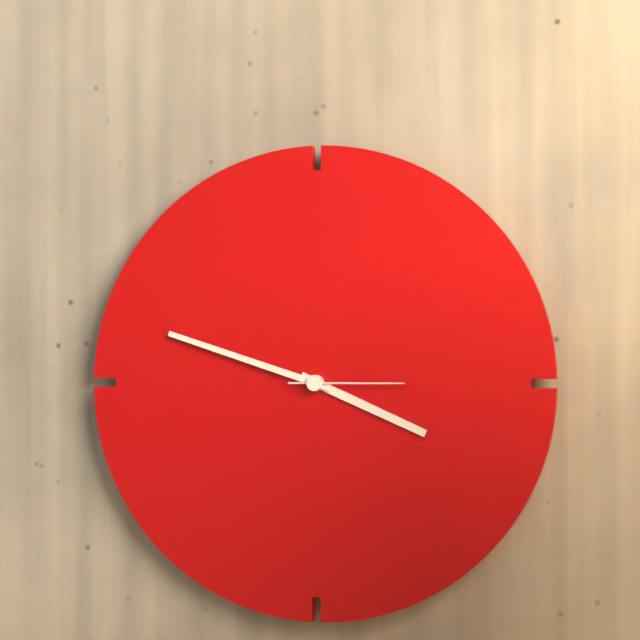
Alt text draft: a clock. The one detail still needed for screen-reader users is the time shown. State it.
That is 3:48:15
